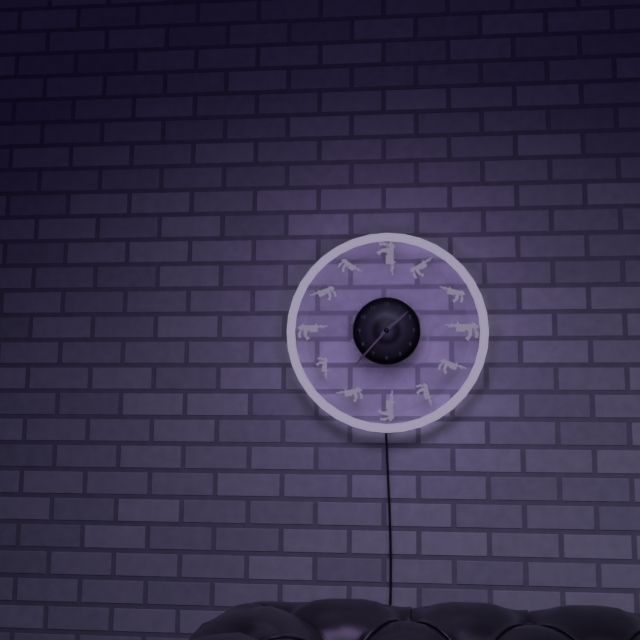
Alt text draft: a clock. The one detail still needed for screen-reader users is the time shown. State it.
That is 1:37
